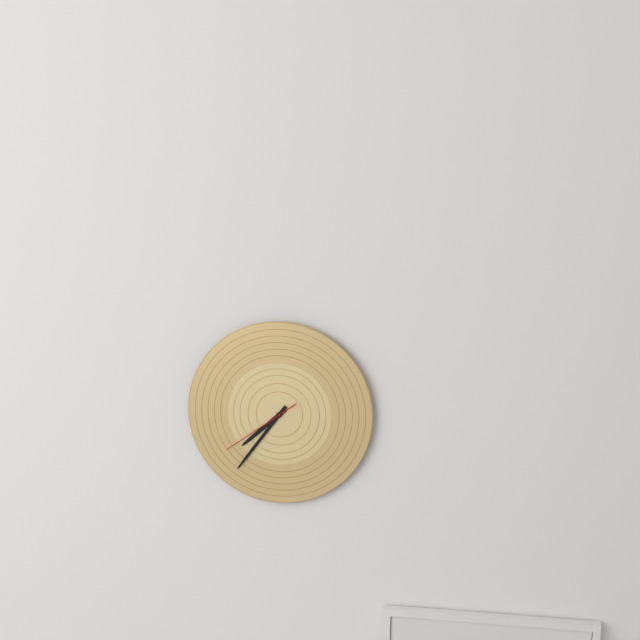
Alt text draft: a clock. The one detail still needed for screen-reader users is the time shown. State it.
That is 7:36:39
